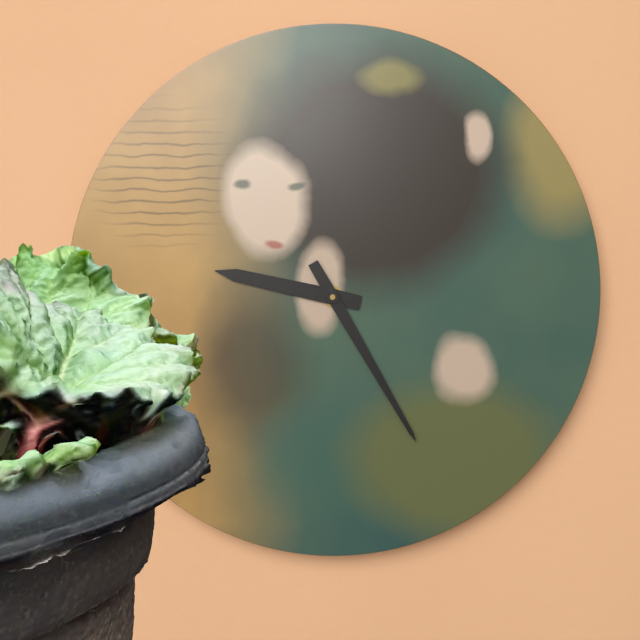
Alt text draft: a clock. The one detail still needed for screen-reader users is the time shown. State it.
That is 9:25
